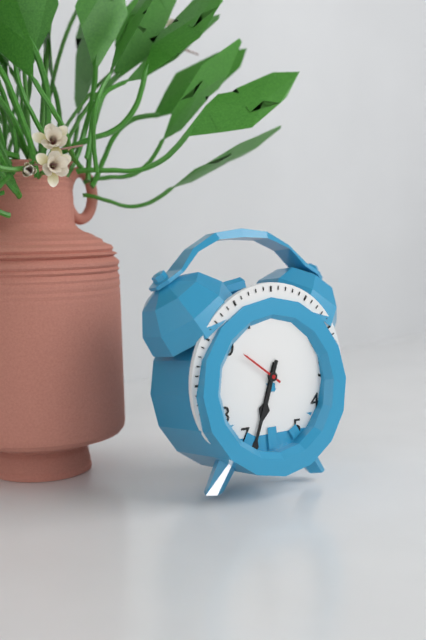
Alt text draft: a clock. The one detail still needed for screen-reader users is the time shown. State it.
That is 6:33
